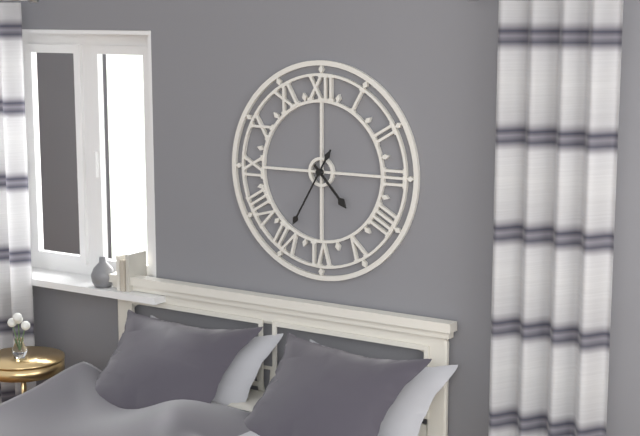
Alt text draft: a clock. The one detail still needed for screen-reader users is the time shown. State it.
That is 4:35
